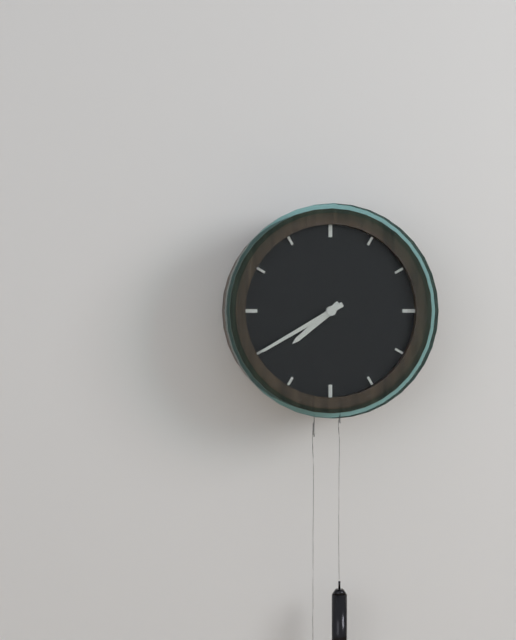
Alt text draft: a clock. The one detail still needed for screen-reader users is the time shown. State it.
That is 7:40
